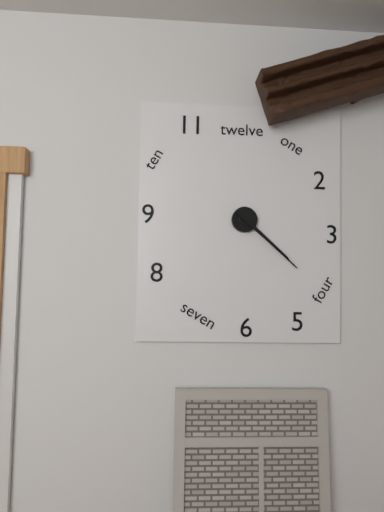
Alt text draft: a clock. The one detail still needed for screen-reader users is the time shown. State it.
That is 4:22
